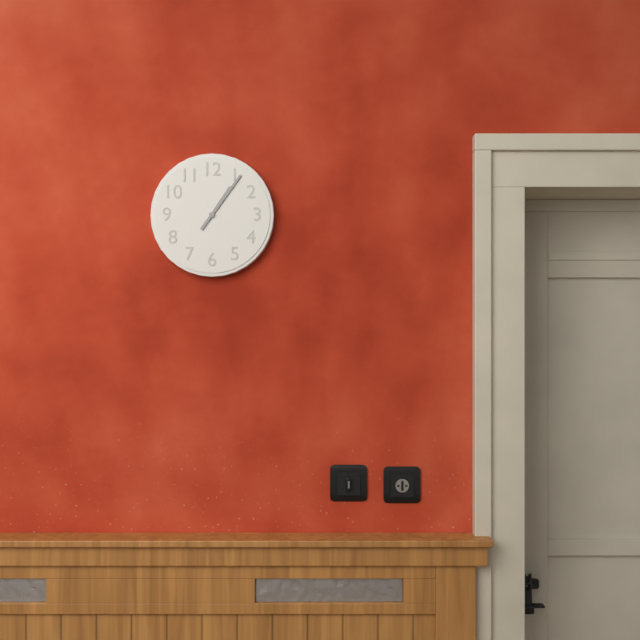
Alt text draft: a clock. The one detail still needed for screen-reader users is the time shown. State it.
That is 1:06
